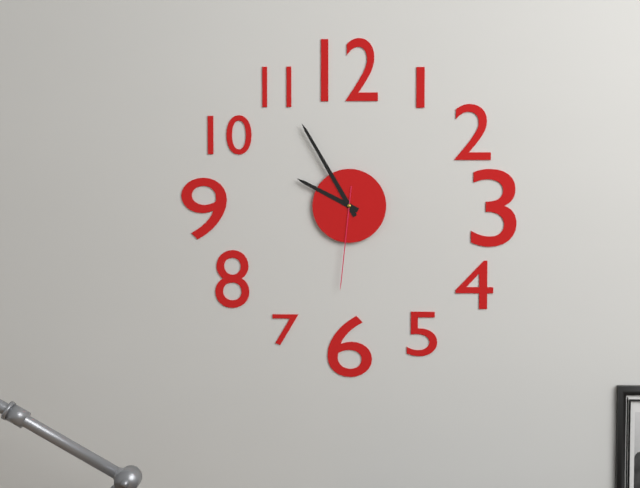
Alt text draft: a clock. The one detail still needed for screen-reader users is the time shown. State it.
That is 9:55:31
